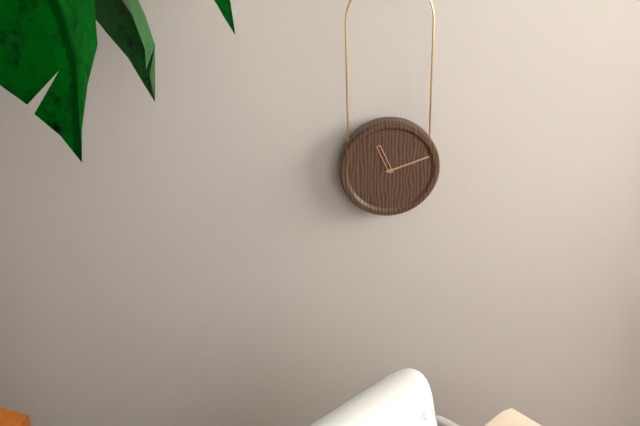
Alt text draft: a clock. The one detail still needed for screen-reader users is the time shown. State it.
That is 11:12
